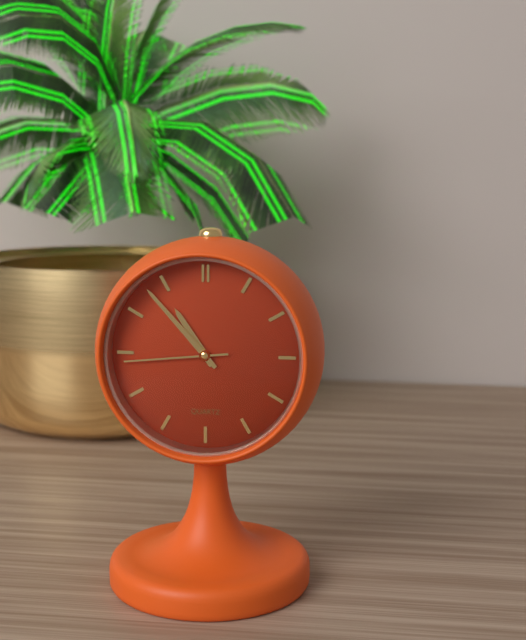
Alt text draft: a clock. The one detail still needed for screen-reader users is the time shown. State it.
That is 10:53:44
